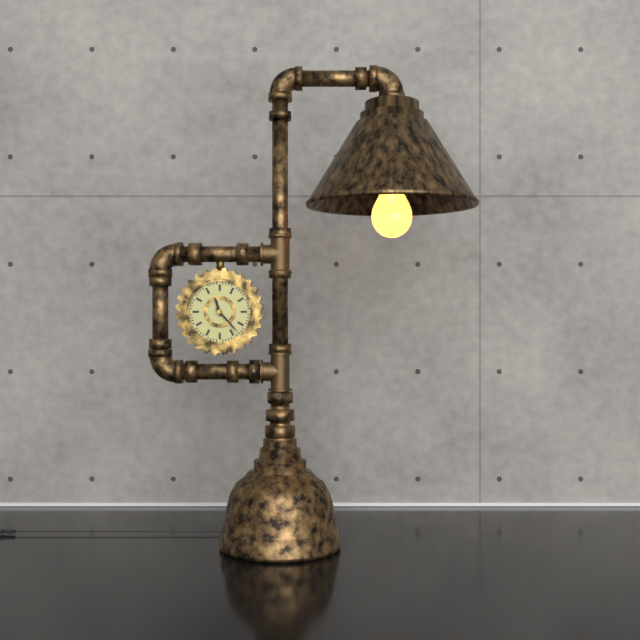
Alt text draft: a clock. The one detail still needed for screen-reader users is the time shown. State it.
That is 11:23
